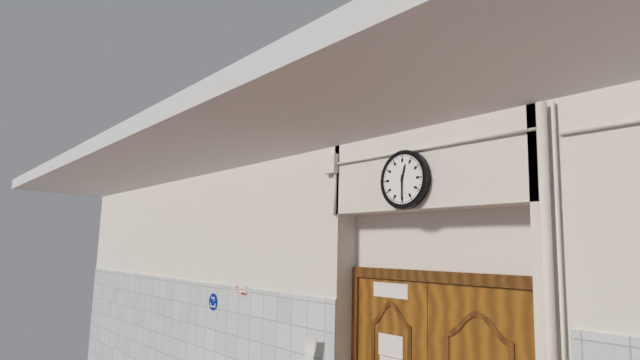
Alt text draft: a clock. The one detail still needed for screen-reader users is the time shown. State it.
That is 12:30
